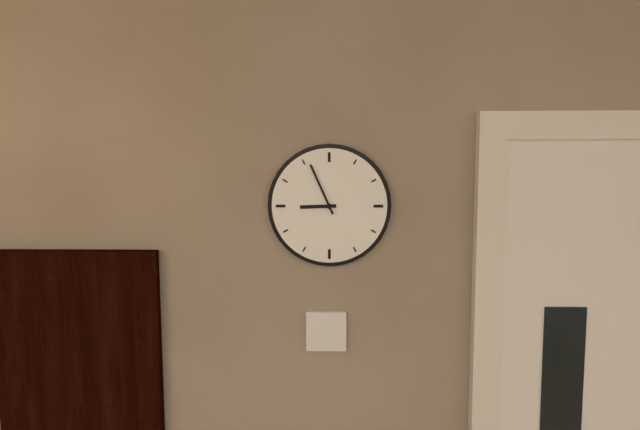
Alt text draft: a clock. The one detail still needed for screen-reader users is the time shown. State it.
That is 8:56
